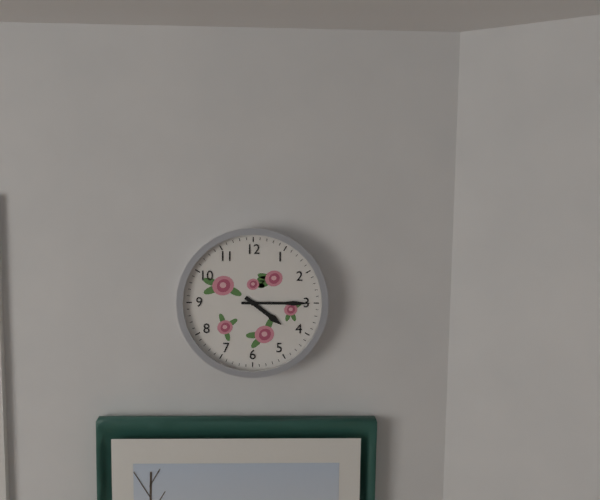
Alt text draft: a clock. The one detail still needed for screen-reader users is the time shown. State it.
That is 4:15
